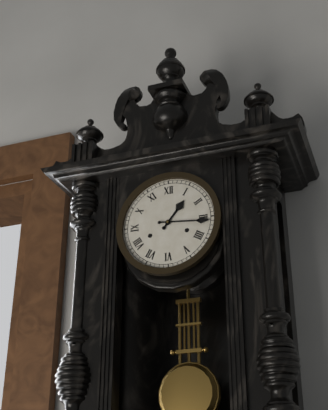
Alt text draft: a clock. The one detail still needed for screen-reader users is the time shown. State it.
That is 1:16
